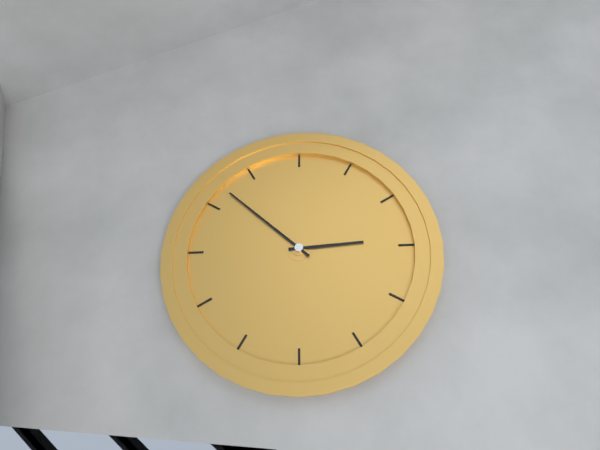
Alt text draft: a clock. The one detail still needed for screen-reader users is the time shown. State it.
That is 2:52
